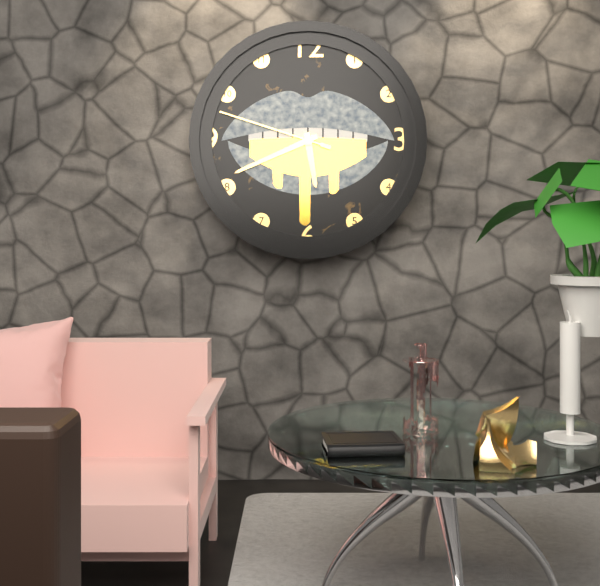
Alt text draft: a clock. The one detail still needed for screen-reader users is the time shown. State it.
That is 5:41:48
